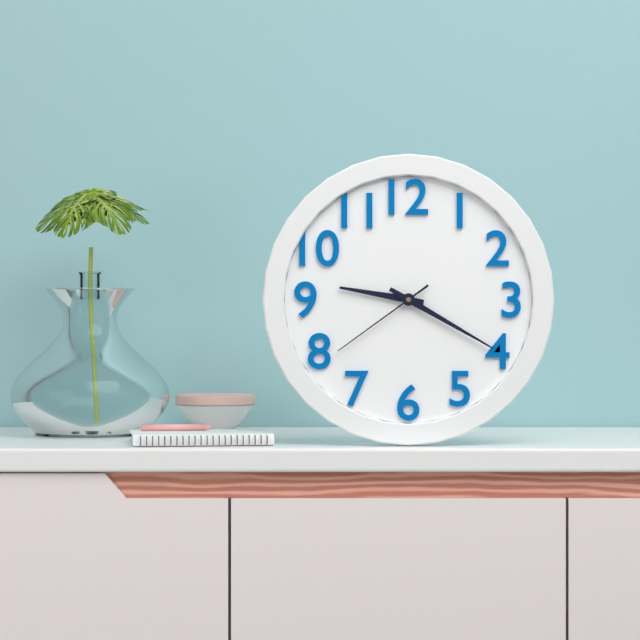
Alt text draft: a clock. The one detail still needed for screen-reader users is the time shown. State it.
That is 9:20:39
